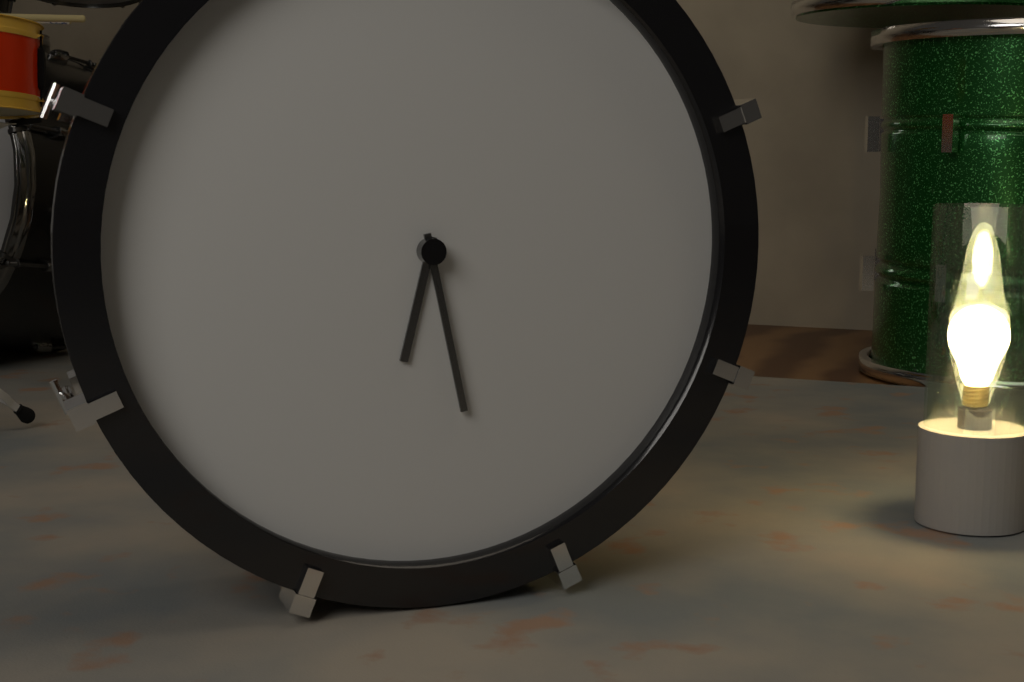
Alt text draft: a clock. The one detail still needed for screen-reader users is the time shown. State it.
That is 6:28
